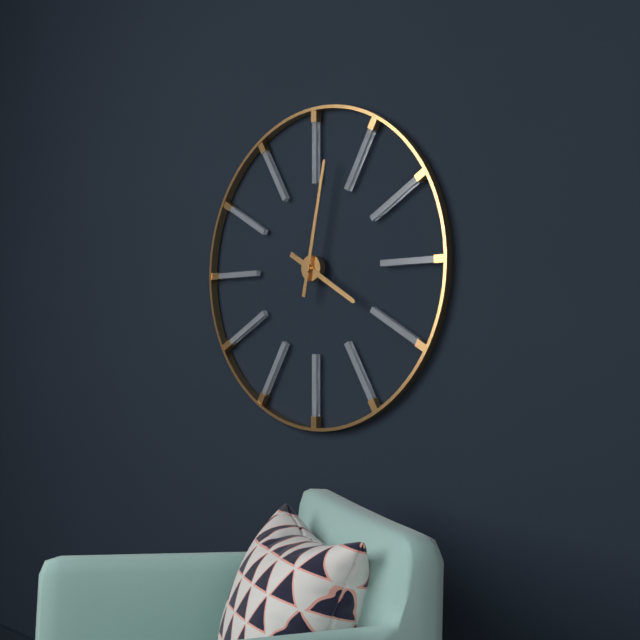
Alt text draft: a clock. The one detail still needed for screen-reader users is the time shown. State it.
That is 4:02
